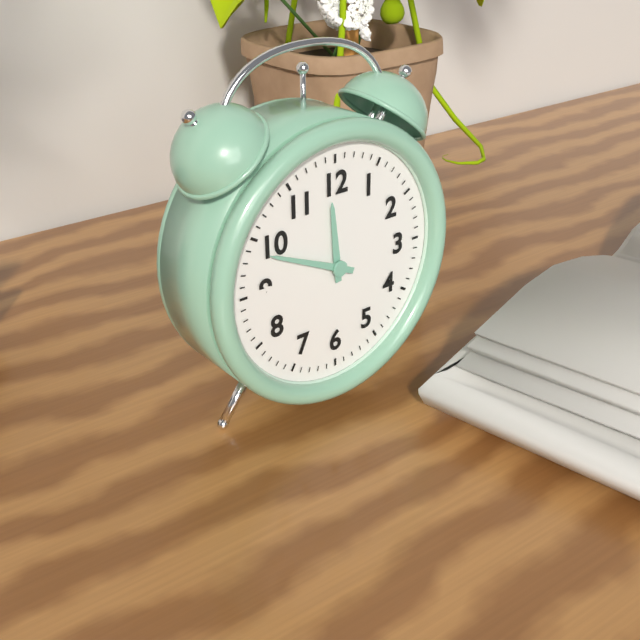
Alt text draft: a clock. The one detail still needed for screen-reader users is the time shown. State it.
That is 11:49
